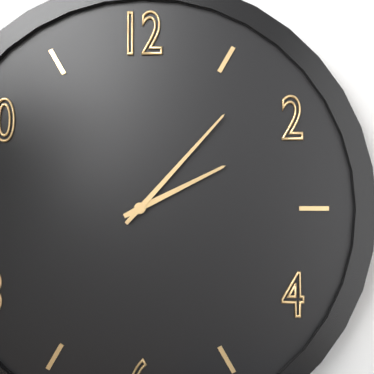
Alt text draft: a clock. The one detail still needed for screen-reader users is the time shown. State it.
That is 2:07
